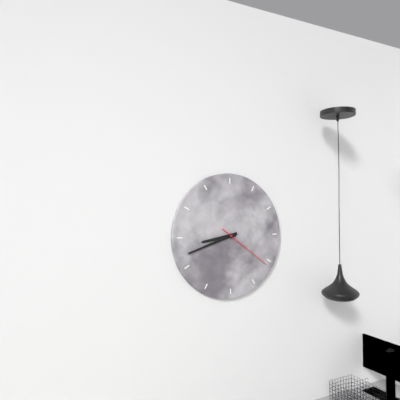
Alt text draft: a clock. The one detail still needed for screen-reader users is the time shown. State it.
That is 8:42:21
